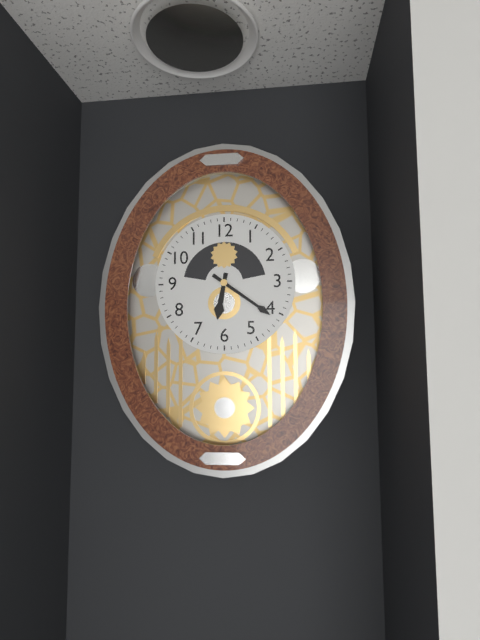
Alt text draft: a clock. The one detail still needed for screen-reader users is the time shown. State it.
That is 6:21
